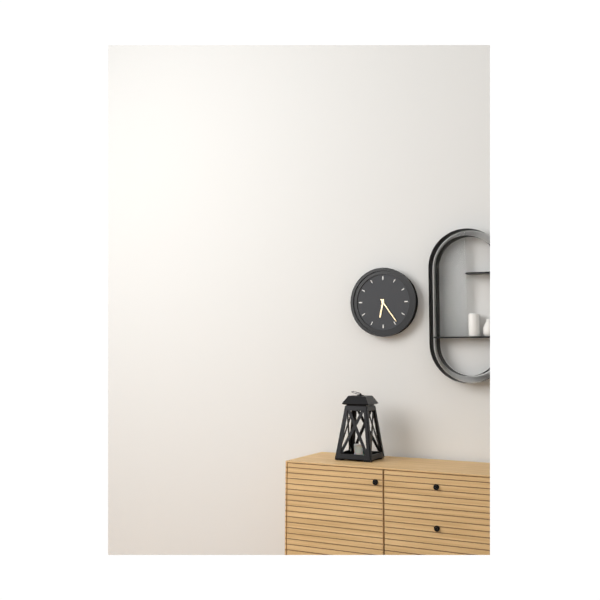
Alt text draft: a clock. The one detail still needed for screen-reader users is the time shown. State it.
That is 6:24
